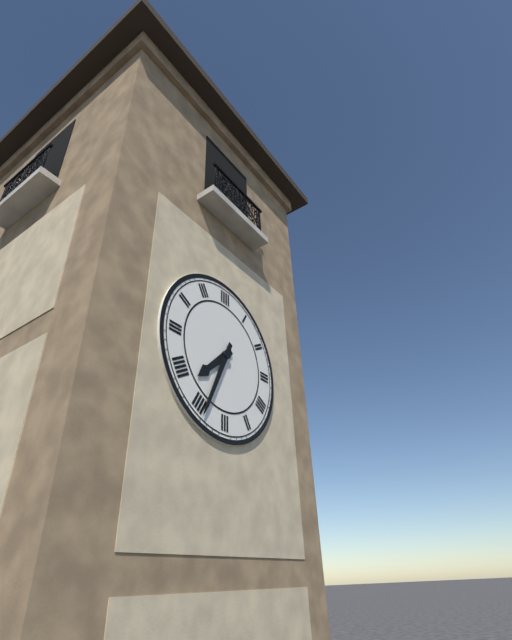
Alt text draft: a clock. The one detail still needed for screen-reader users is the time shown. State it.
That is 7:34
